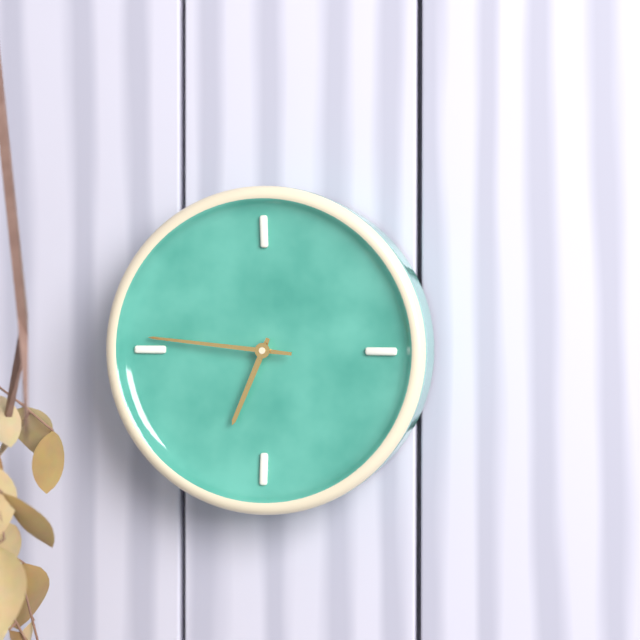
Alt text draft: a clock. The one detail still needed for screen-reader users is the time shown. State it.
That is 6:46
